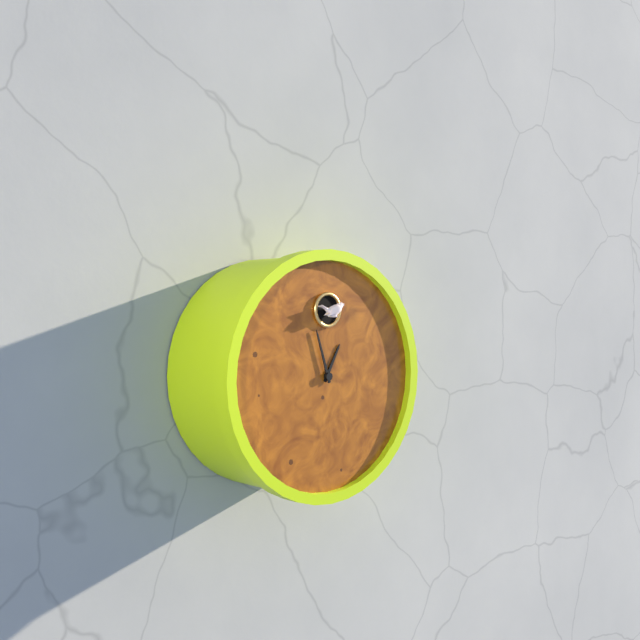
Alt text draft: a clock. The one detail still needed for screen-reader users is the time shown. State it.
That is 12:57
